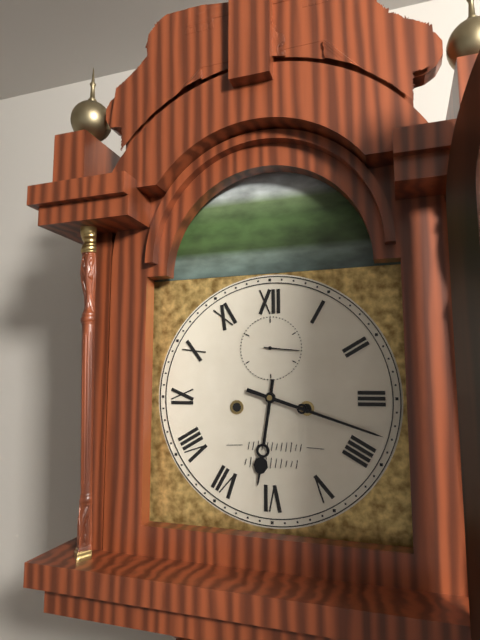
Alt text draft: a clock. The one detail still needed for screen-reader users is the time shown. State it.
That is 6:18
